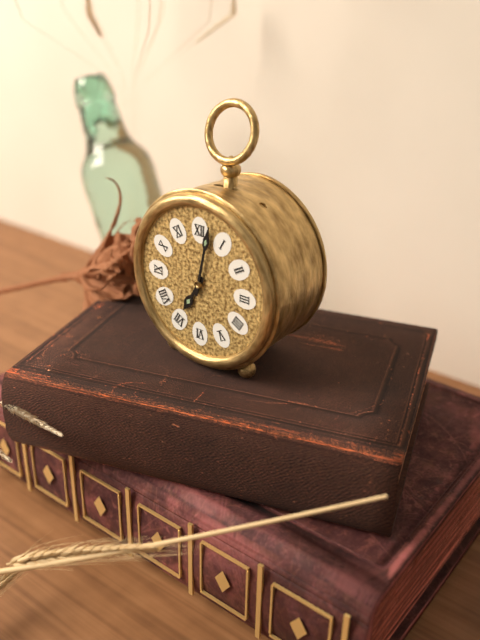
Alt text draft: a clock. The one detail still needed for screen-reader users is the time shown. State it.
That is 7:02
